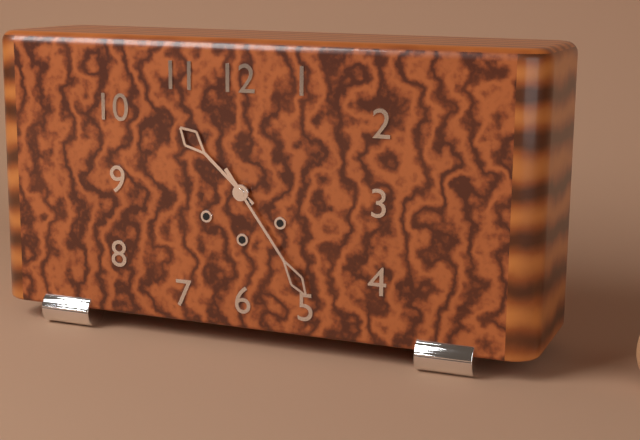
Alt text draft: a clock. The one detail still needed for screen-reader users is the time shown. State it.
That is 10:24
